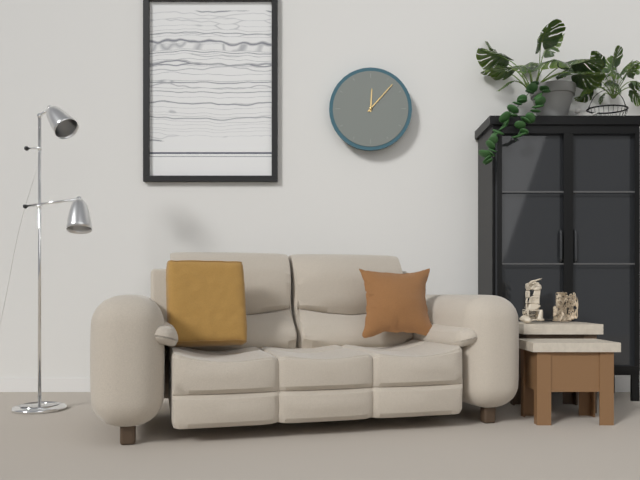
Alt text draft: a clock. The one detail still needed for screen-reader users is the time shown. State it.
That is 12:07
